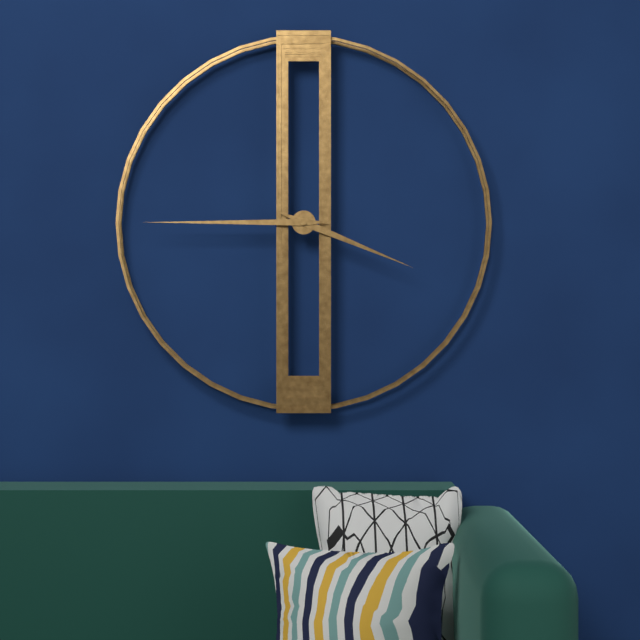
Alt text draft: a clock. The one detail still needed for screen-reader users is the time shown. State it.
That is 3:45
